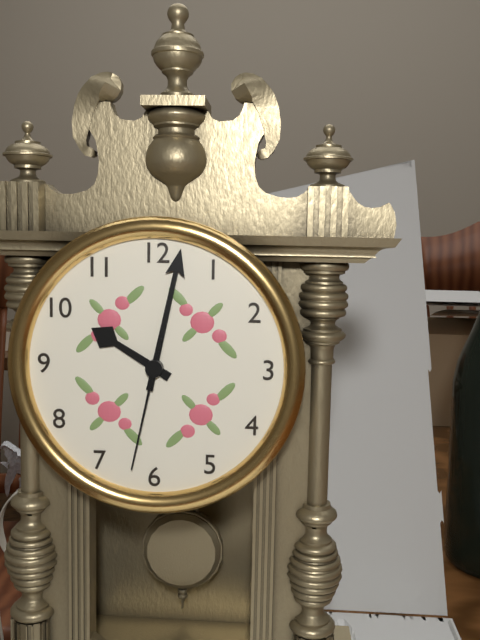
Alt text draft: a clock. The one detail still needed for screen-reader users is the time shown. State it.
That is 10:02:32
